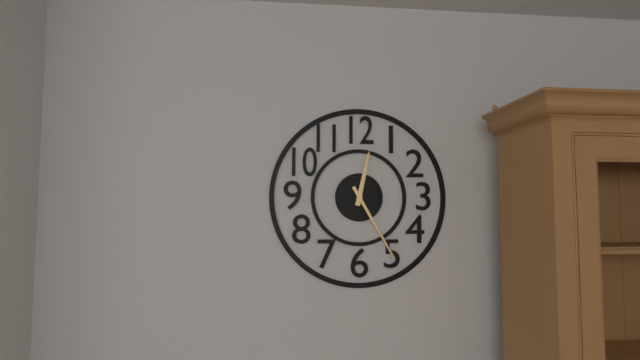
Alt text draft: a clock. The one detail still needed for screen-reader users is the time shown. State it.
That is 12:25
